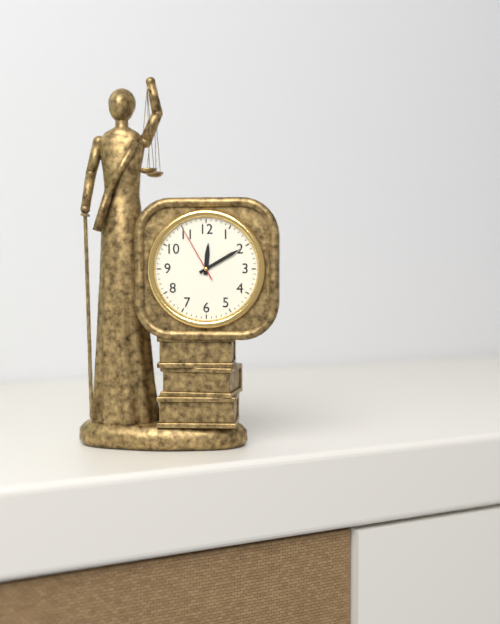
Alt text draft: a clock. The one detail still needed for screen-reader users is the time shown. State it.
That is 12:10:55
